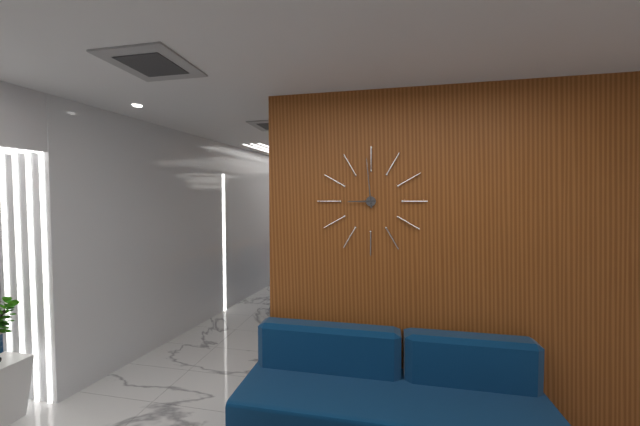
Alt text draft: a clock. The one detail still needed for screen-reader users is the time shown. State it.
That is 8:59
